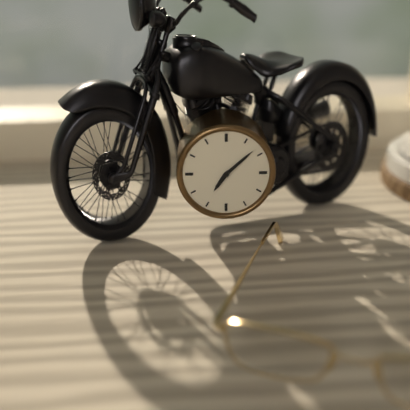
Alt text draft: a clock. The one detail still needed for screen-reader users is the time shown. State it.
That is 7:08
